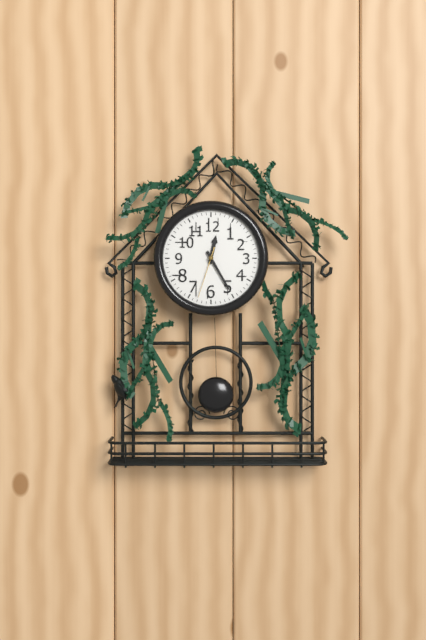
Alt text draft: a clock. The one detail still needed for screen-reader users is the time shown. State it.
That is 12:25:33
